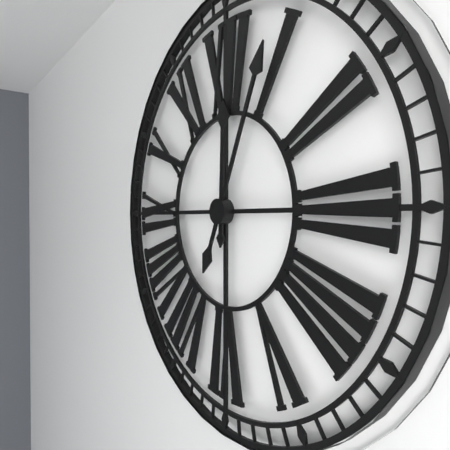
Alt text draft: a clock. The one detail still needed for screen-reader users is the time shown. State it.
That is 12:04
